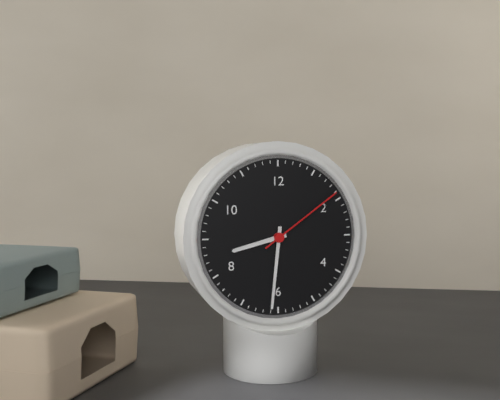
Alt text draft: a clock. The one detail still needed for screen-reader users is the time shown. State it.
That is 8:31:09
